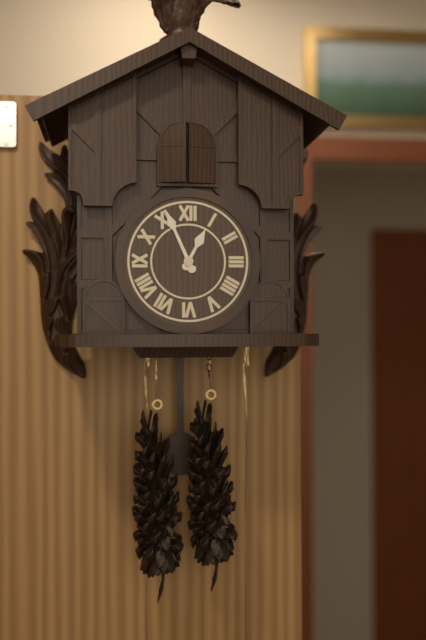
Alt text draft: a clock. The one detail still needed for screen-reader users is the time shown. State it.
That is 12:56
